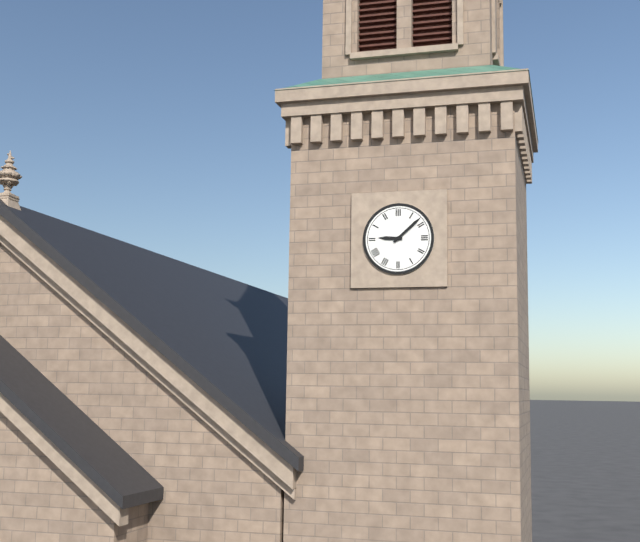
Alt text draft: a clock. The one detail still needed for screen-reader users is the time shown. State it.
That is 9:08
